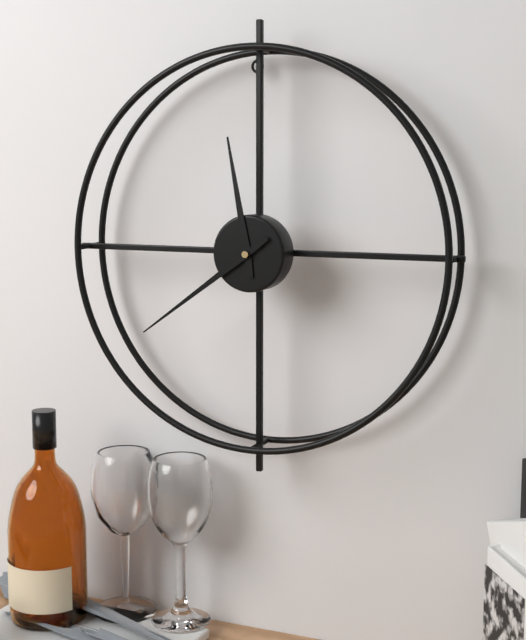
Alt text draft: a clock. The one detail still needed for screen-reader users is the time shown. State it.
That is 11:39
